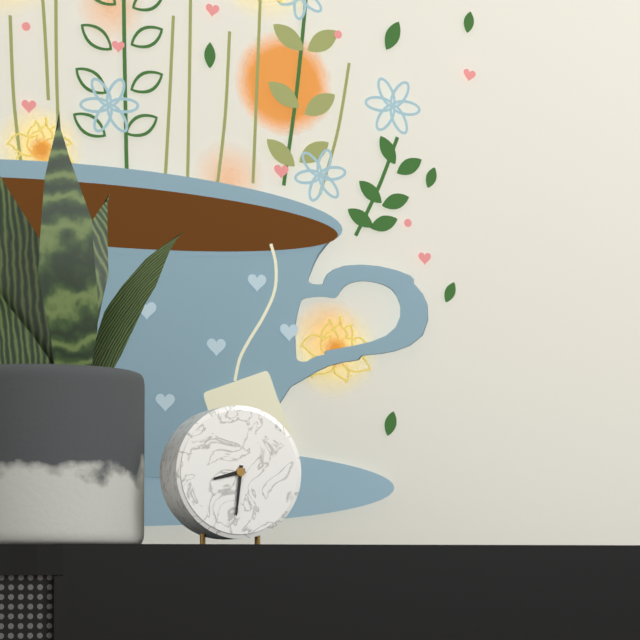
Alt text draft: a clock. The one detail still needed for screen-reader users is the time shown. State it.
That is 8:31
